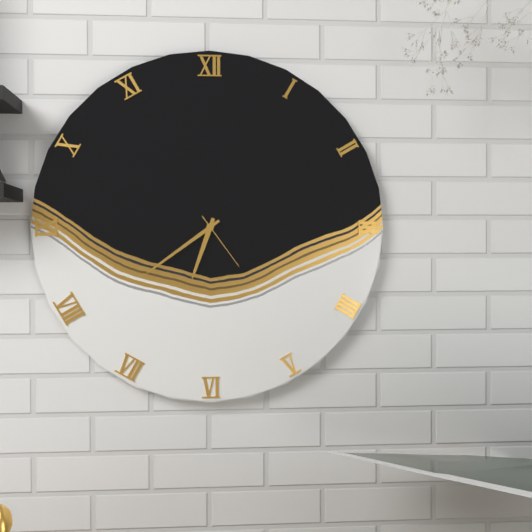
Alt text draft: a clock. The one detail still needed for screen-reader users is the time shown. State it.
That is 6:39:24
